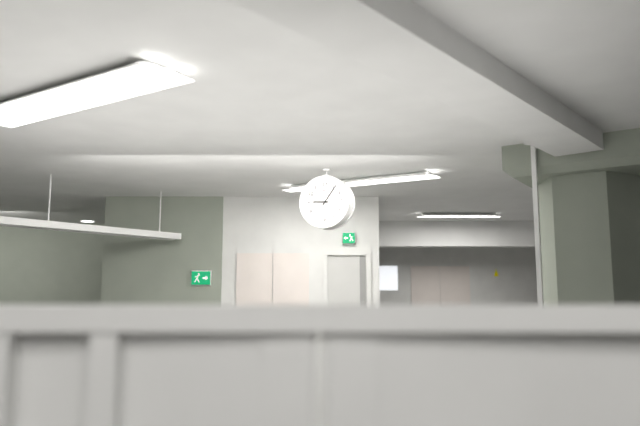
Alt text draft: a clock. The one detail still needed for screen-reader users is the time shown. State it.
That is 9:06
